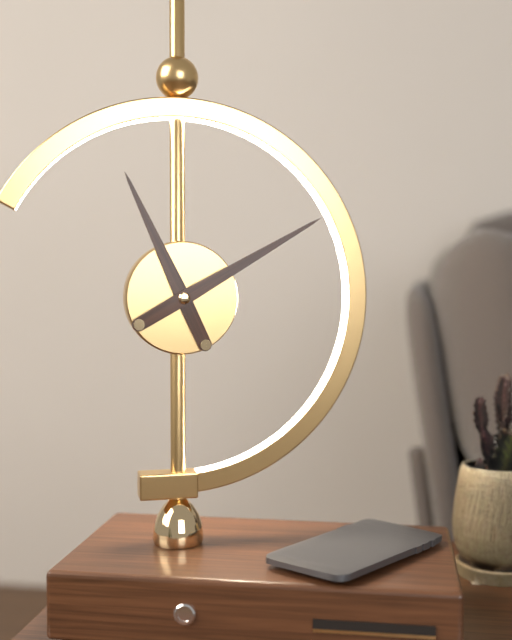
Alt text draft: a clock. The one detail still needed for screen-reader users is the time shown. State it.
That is 11:10
